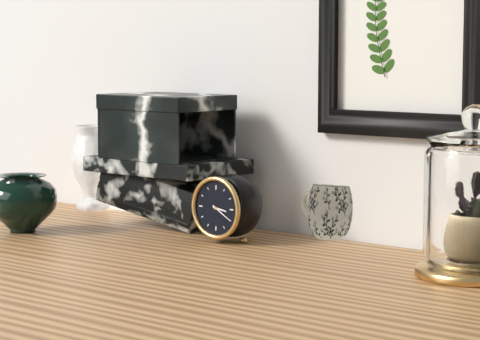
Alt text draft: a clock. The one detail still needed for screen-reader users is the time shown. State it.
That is 3:20
